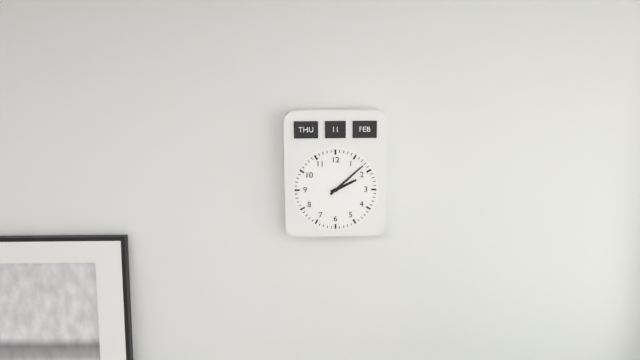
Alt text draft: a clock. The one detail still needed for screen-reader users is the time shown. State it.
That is 2:08
